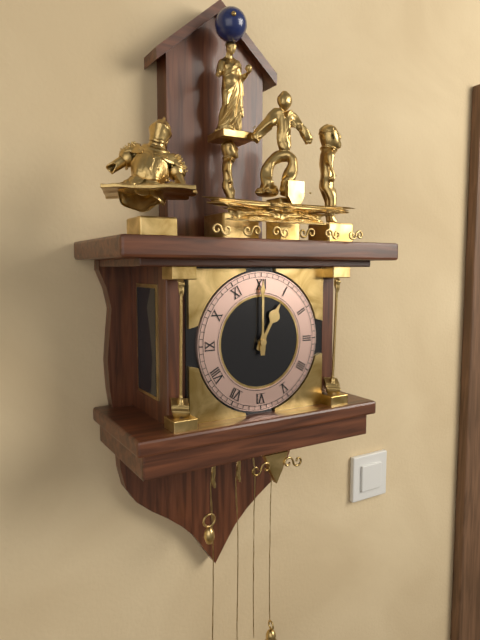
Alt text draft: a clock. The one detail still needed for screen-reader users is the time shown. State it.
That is 1:00
